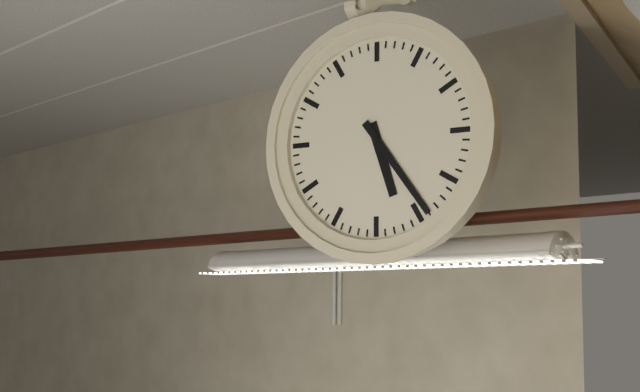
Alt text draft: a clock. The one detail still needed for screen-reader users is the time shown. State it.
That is 5:24
